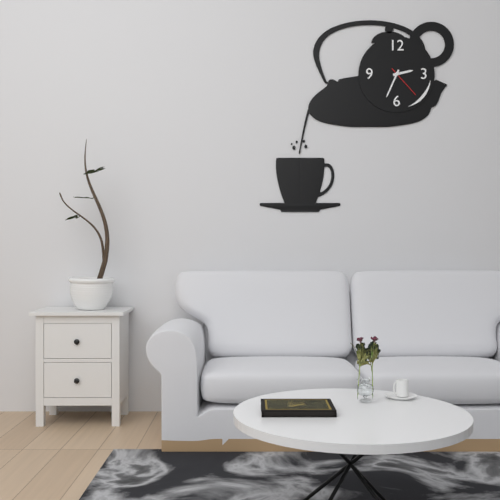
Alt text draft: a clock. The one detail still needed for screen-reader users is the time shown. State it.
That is 2:34
